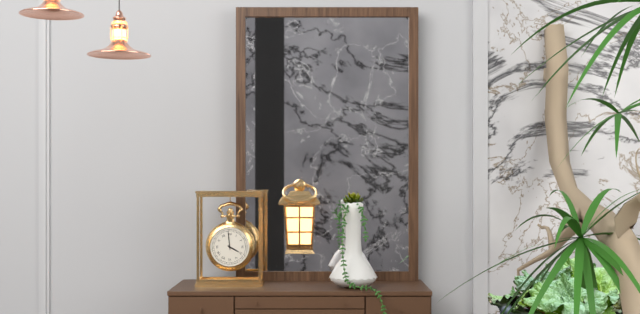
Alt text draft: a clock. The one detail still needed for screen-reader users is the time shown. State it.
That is 3:59
